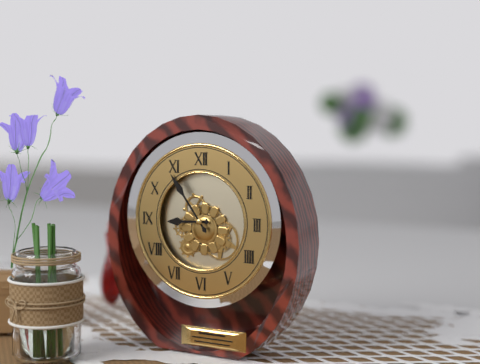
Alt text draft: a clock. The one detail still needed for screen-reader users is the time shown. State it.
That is 8:54
